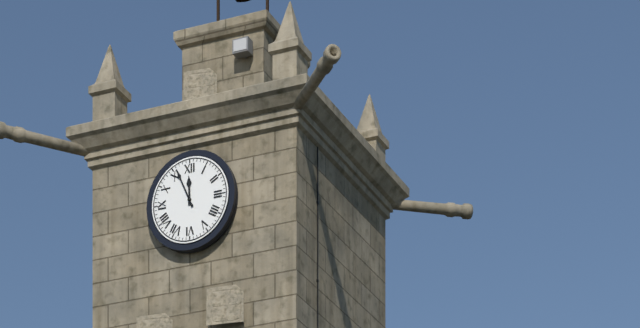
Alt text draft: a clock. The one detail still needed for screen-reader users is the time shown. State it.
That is 11:56
